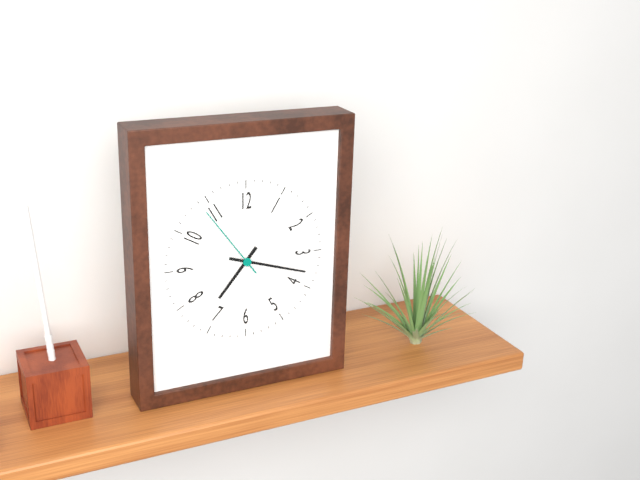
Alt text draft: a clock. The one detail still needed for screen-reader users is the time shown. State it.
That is 7:18:54
